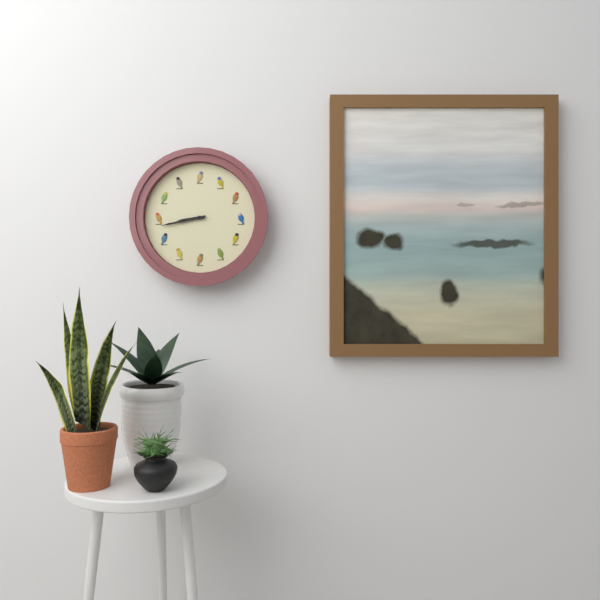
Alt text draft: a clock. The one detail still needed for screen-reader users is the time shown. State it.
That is 8:43
